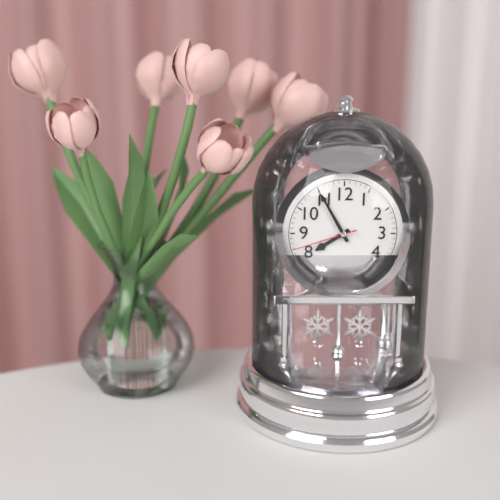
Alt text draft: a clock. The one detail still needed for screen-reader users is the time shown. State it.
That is 7:55:42
